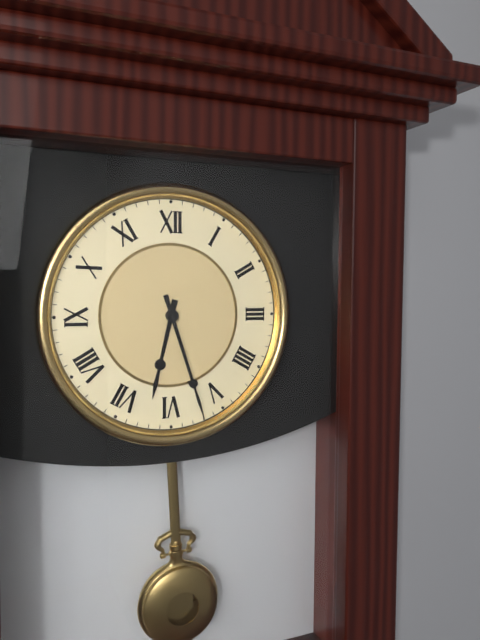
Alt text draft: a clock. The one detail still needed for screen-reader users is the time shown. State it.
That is 6:27
